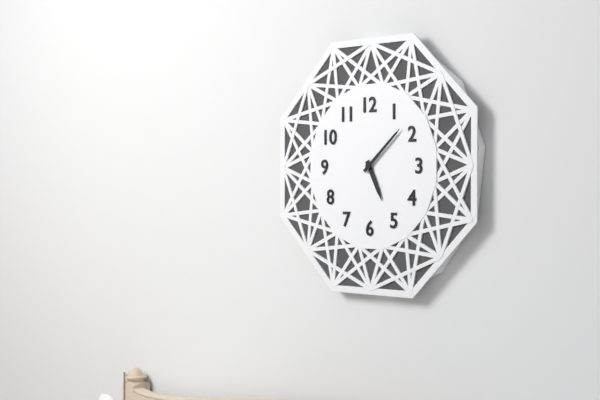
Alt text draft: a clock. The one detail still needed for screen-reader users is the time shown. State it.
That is 5:08
